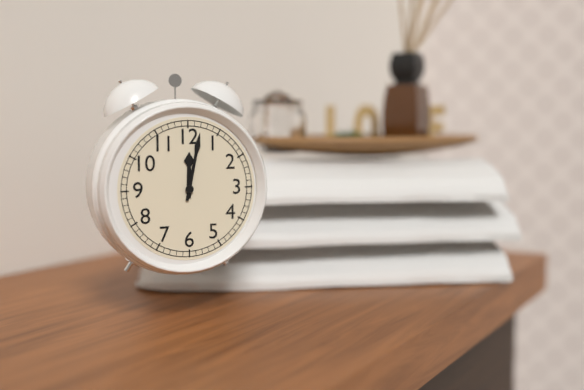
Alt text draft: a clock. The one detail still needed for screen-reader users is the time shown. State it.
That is 12:02
